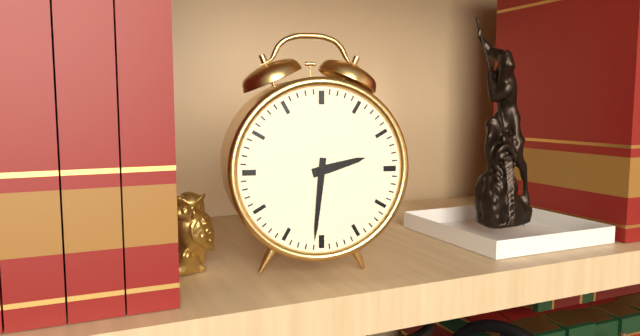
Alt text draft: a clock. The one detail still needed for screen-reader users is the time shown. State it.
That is 2:31
